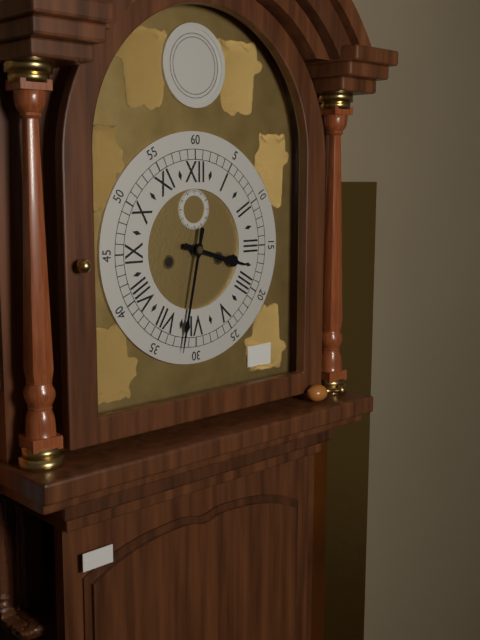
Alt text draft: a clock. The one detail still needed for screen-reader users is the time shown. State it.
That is 3:32
